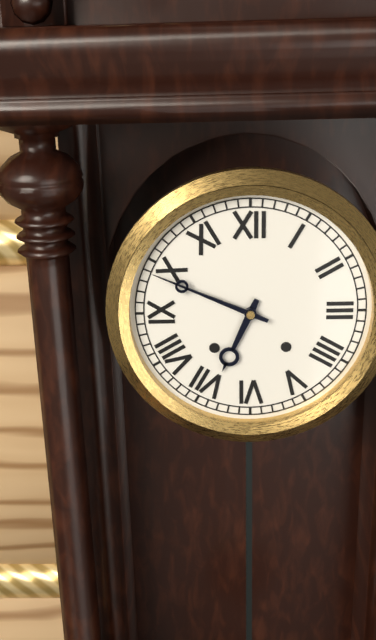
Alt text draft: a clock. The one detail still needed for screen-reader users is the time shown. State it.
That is 6:49
